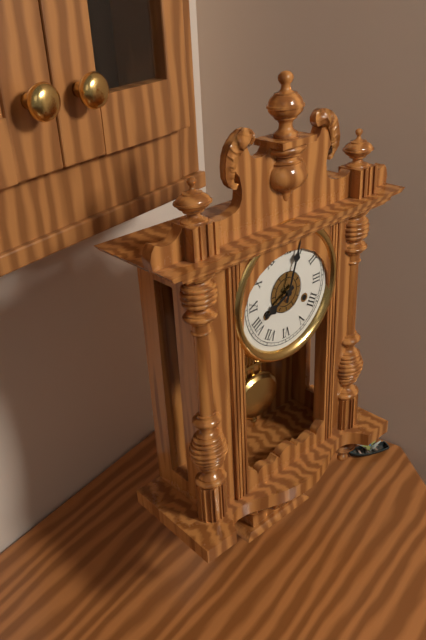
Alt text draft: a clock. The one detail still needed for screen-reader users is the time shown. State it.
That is 8:03
